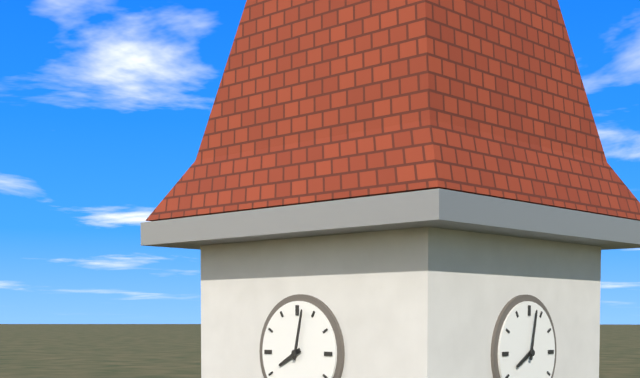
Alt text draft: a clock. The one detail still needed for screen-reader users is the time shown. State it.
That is 8:02
